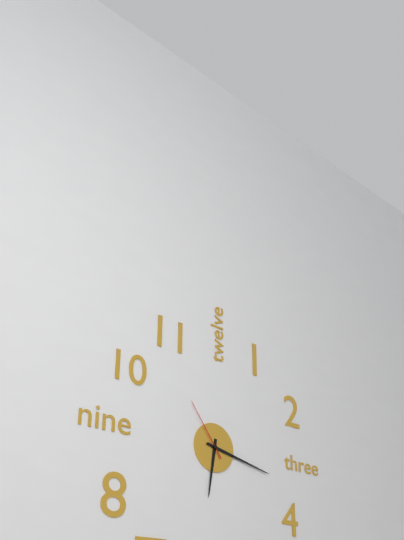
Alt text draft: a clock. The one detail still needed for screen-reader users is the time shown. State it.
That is 6:17:54
